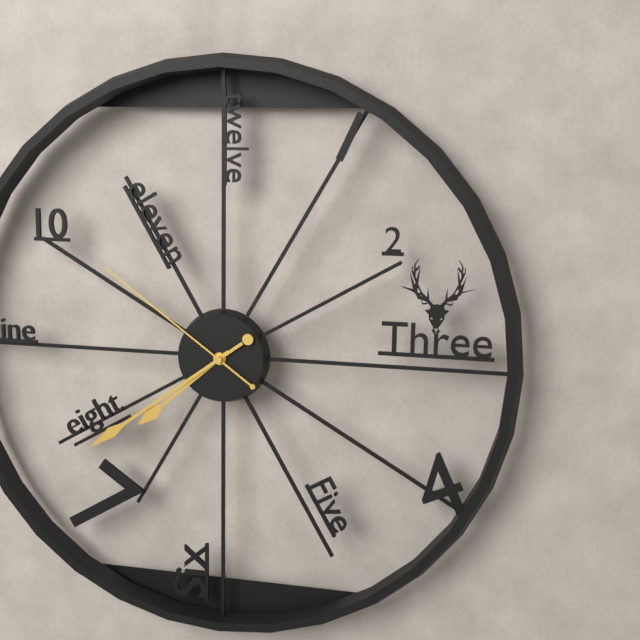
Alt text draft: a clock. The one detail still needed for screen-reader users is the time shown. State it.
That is 7:39:51
